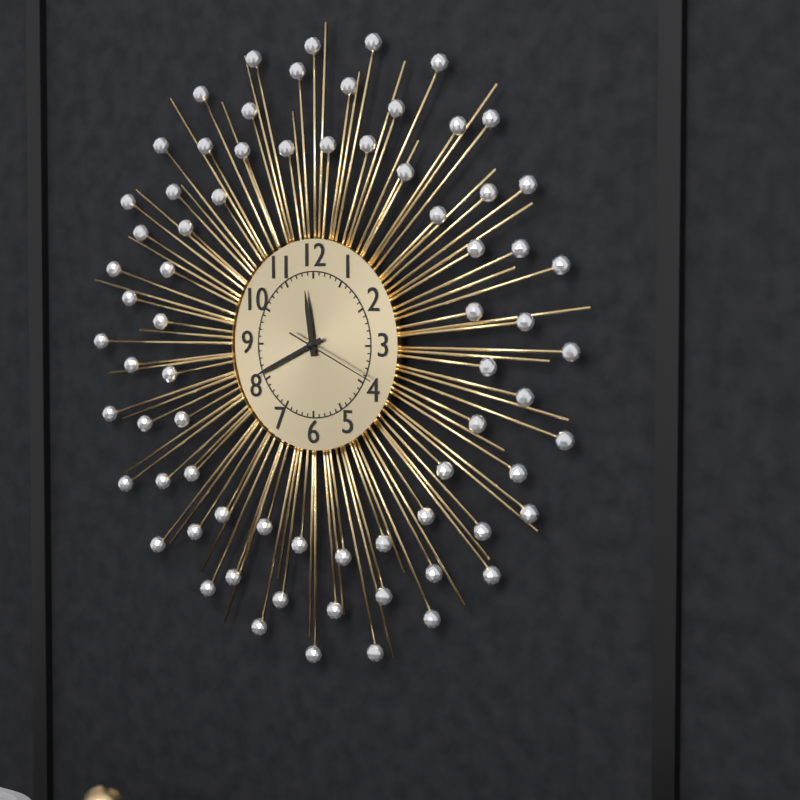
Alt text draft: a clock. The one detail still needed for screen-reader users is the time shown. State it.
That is 11:41:19
